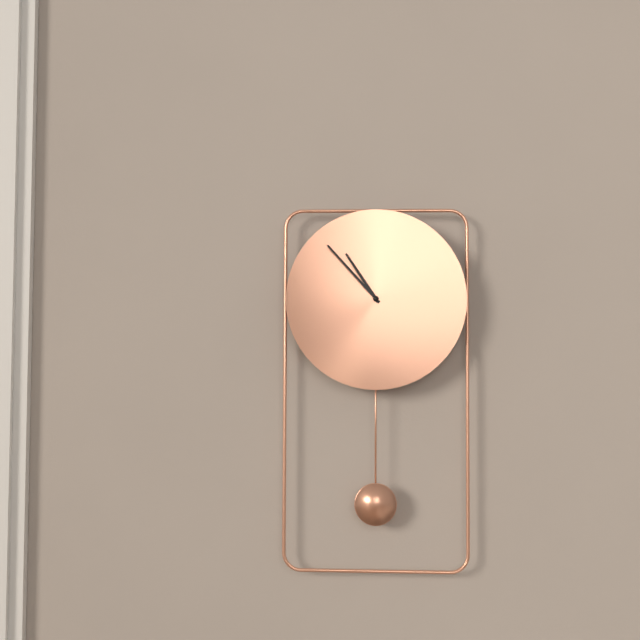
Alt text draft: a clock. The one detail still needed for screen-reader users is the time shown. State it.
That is 10:53
